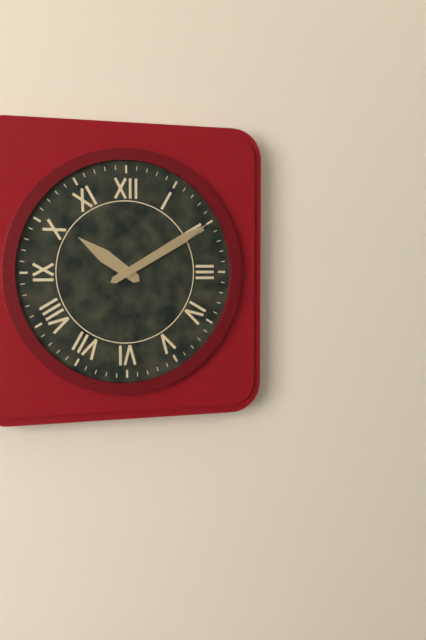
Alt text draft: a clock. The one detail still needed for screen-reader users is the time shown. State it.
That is 10:10
